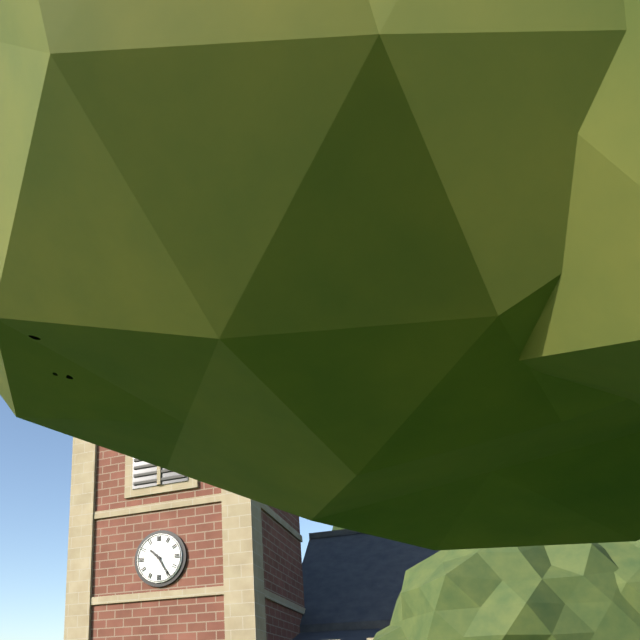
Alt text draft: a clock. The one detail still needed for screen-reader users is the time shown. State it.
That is 10:25
